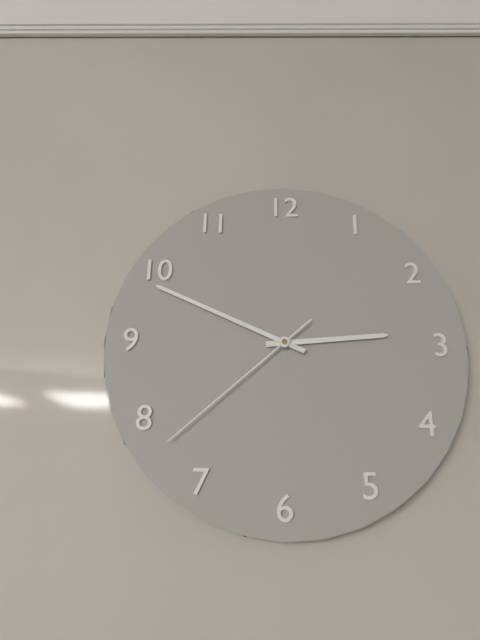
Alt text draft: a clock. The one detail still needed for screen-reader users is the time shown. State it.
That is 2:49:38
